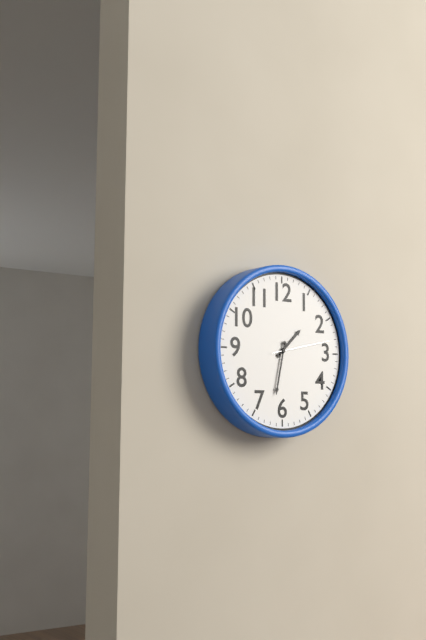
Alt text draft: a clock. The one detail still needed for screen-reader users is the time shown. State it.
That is 1:32:13
